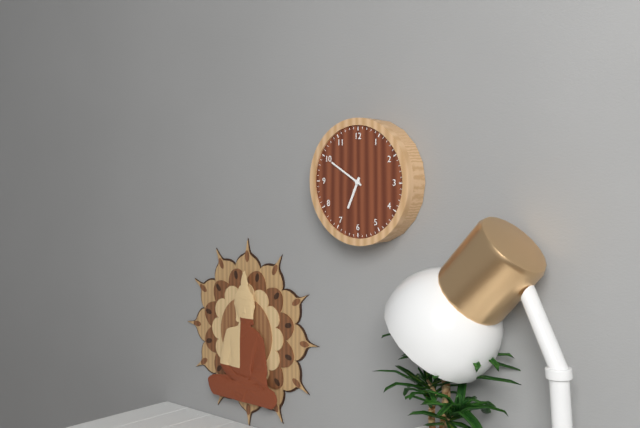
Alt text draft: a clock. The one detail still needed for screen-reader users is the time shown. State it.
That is 6:50
